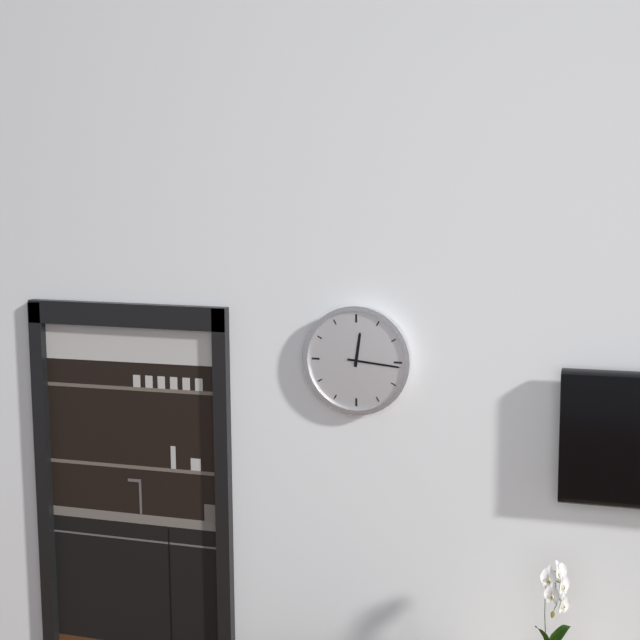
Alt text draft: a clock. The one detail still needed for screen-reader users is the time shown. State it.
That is 12:16
